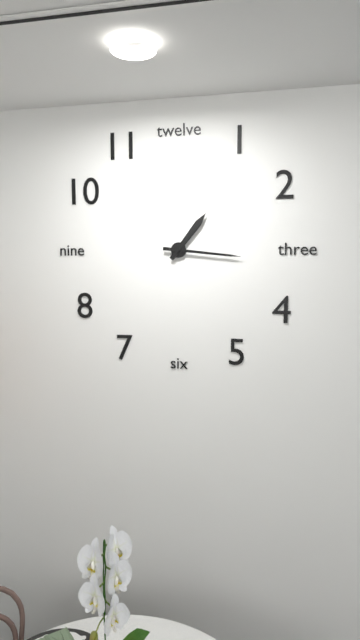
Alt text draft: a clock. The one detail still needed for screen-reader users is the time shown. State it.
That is 1:16
